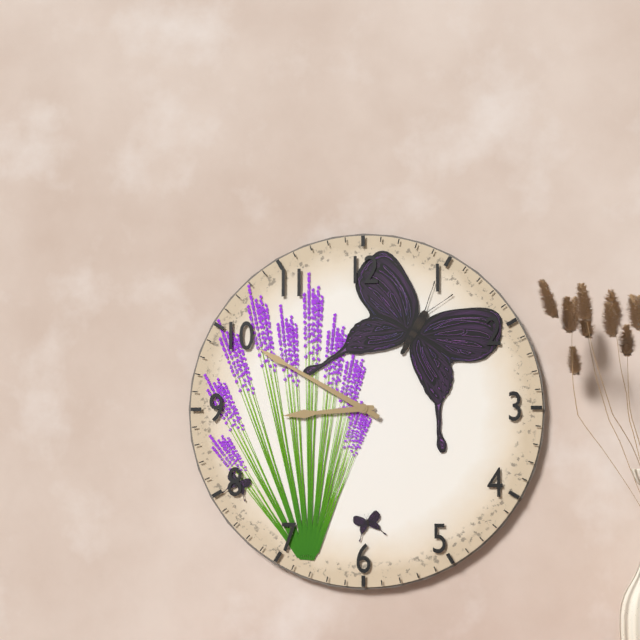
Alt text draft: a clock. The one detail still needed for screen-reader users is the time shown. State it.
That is 8:50
